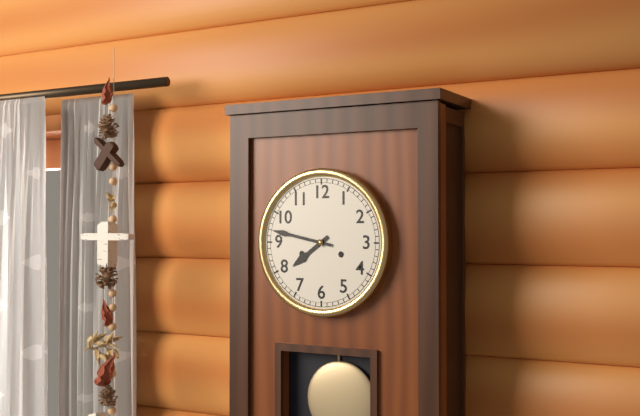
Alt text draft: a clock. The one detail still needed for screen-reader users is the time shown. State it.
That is 7:47
